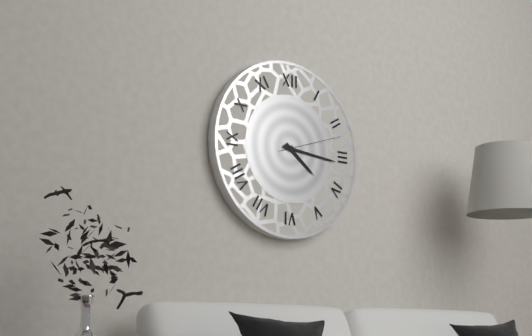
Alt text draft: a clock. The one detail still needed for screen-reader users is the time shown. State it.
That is 4:16:12
